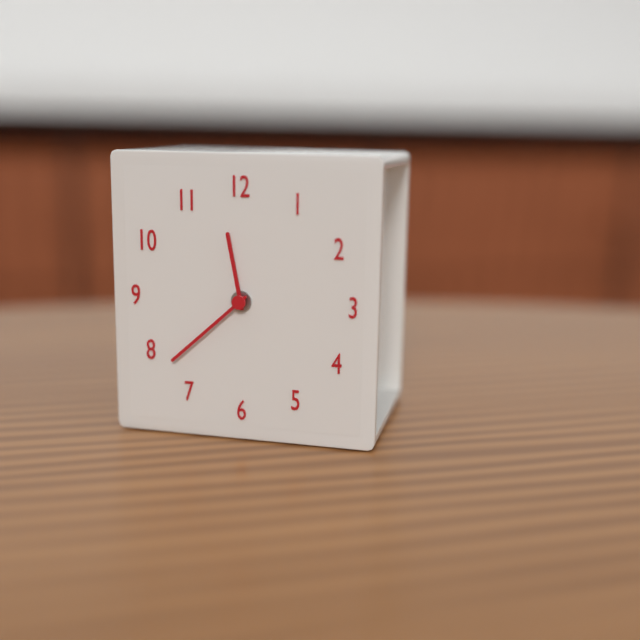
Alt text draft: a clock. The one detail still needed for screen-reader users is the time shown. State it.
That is 11:38
